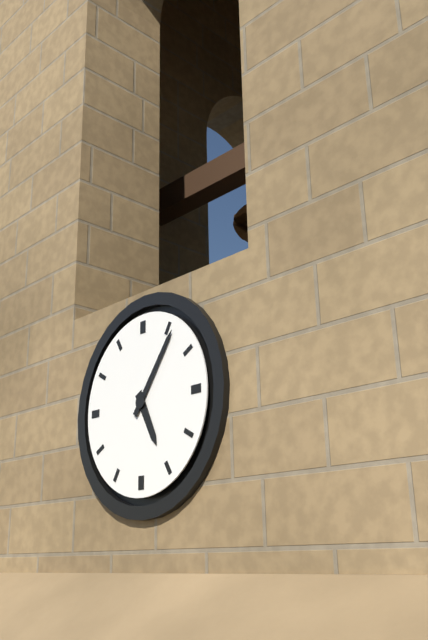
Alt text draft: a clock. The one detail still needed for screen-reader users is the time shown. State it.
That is 5:06
